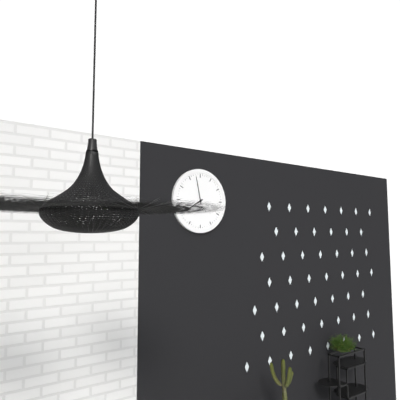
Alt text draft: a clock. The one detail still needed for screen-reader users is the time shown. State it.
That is 7:58
